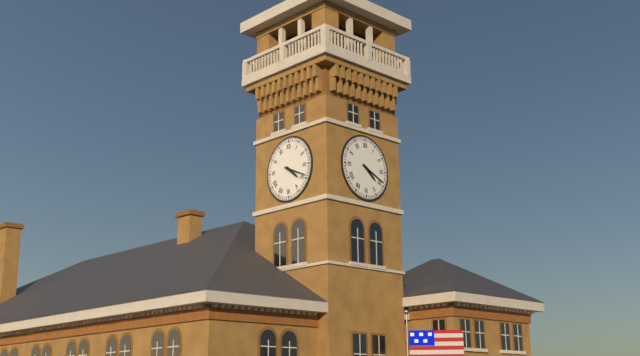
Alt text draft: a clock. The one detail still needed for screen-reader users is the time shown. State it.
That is 4:19
